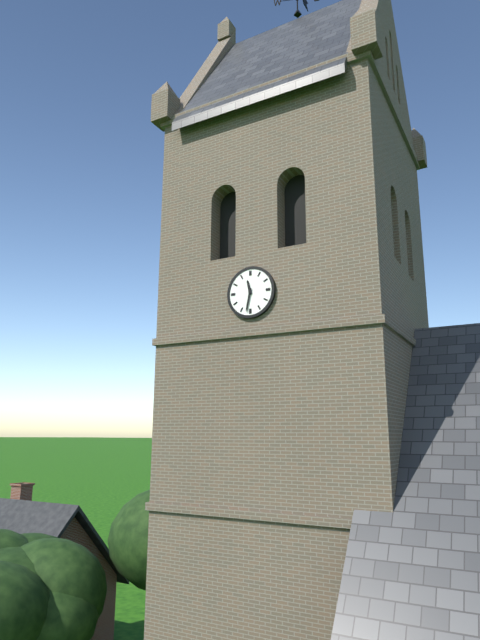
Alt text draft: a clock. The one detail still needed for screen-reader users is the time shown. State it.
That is 11:32
